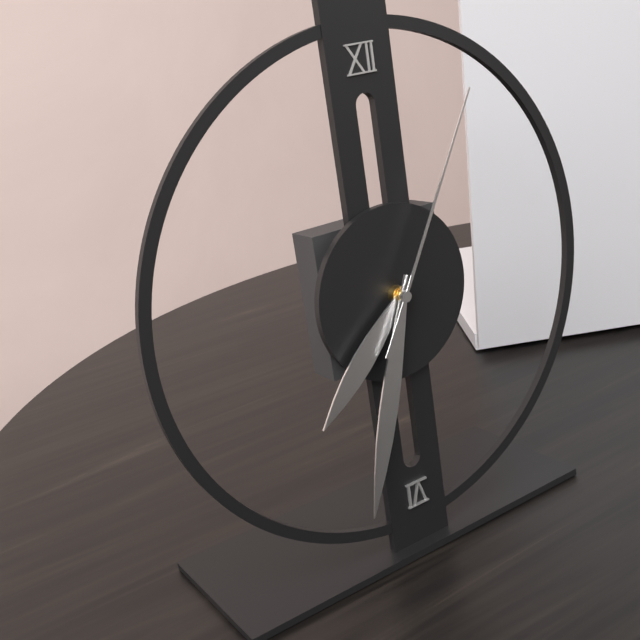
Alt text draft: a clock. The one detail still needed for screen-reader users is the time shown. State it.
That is 7:33:05
